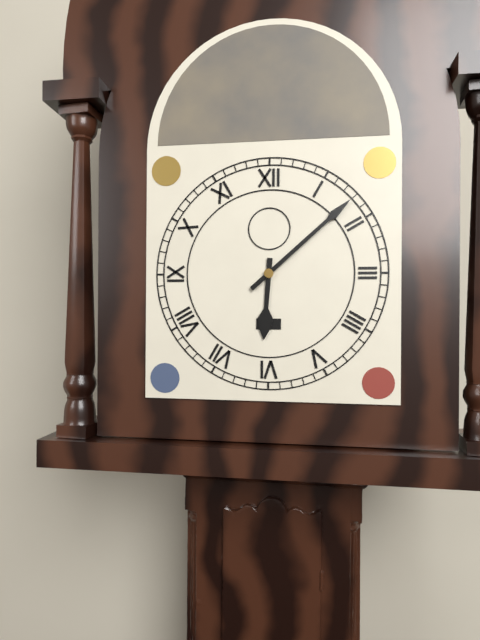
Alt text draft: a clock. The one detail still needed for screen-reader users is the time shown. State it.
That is 6:08
